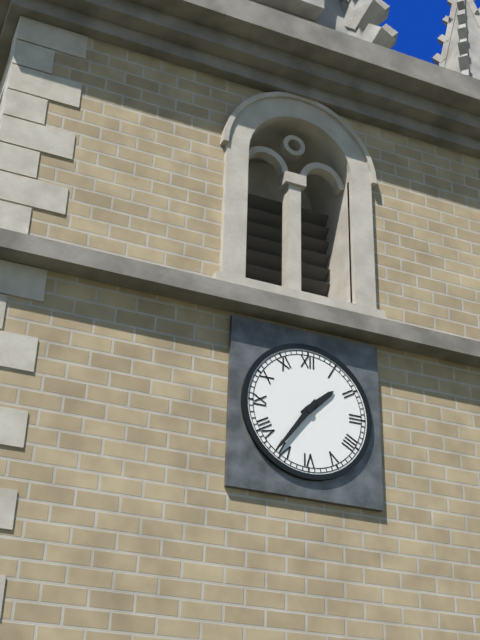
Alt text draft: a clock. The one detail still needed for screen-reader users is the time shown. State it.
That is 1:36
